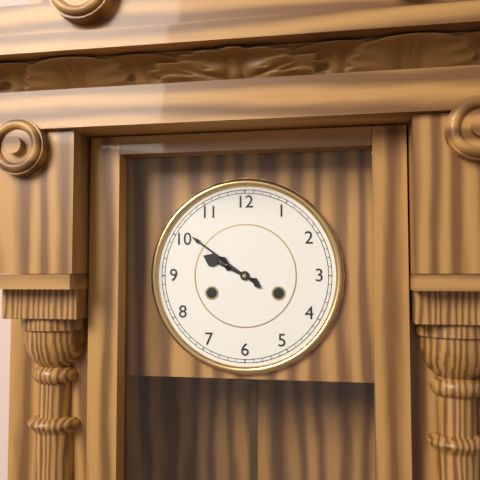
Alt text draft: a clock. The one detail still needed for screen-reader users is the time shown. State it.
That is 9:51
